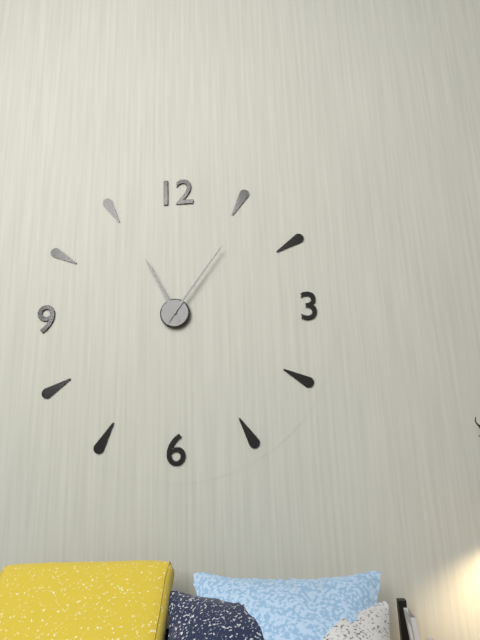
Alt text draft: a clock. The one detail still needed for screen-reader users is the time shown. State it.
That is 11:06
